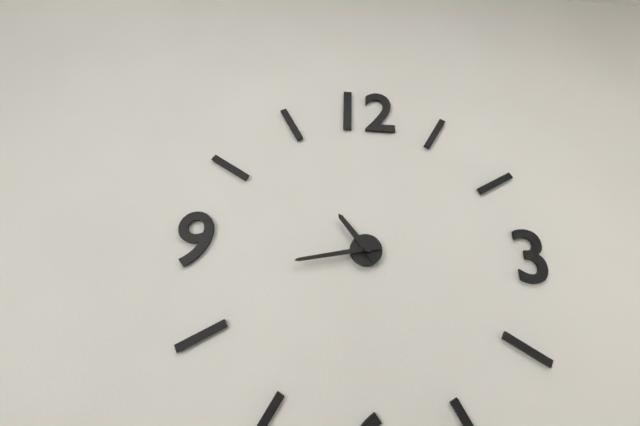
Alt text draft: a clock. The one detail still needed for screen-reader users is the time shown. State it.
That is 10:43
